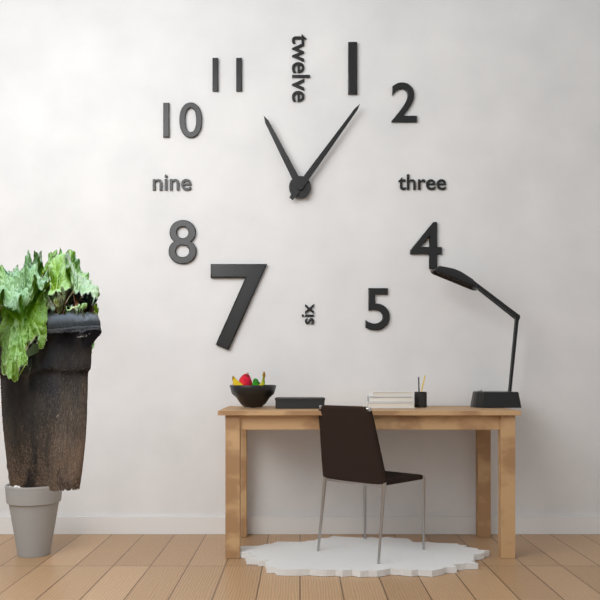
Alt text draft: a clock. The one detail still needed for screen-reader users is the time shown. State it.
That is 11:06
